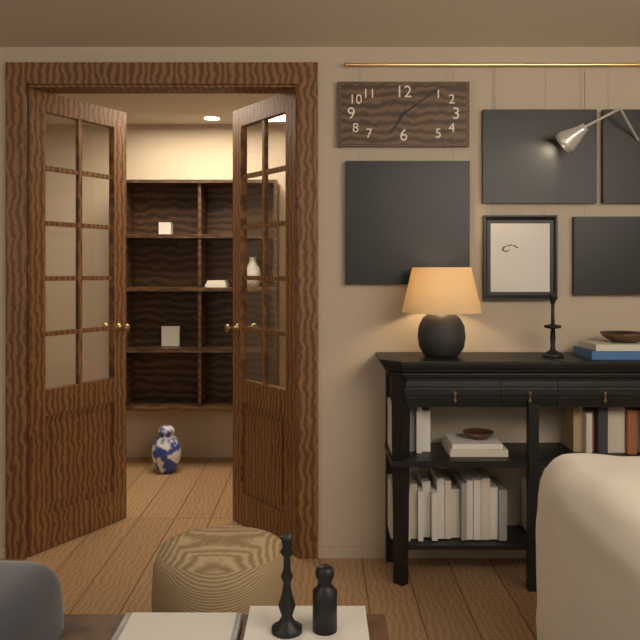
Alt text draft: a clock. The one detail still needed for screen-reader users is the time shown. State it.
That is 7:09
